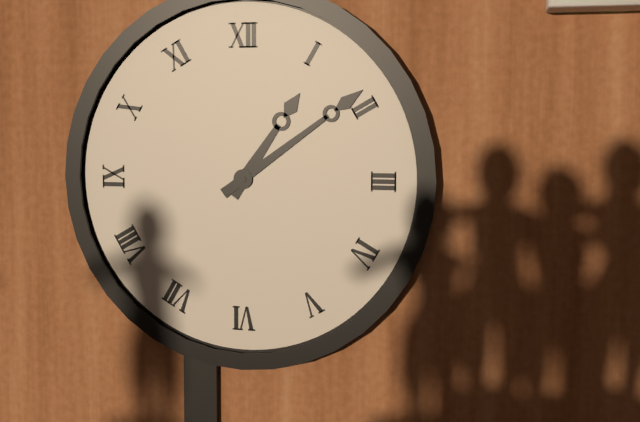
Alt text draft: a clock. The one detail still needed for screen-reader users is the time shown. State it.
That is 1:09
